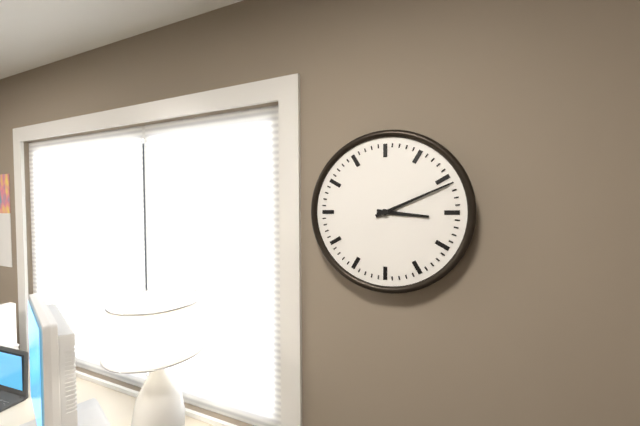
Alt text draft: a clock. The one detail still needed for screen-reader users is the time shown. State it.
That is 3:11
